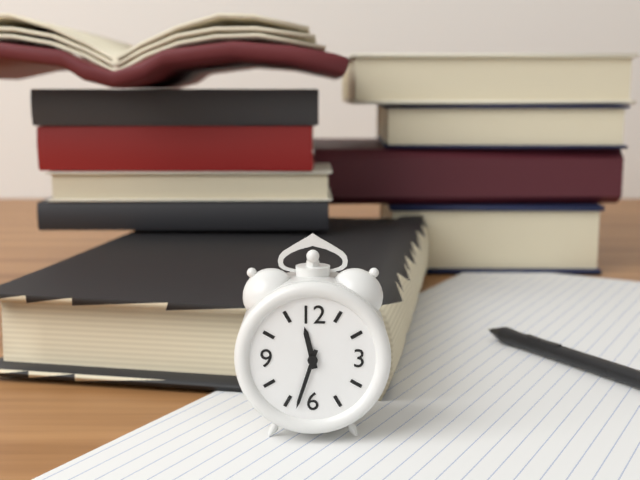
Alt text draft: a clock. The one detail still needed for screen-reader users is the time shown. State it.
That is 11:33
